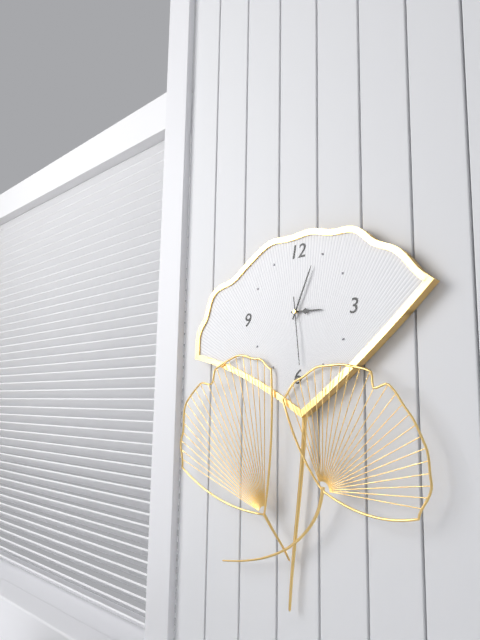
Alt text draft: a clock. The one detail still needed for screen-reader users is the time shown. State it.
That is 3:04:29
